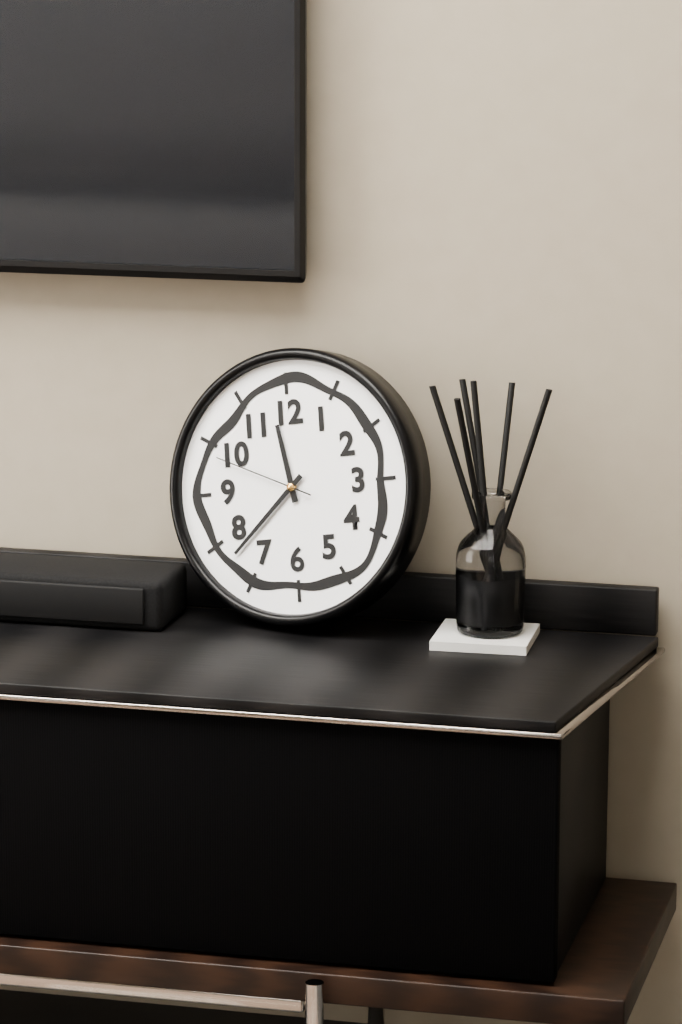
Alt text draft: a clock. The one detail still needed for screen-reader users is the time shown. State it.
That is 11:38:49
